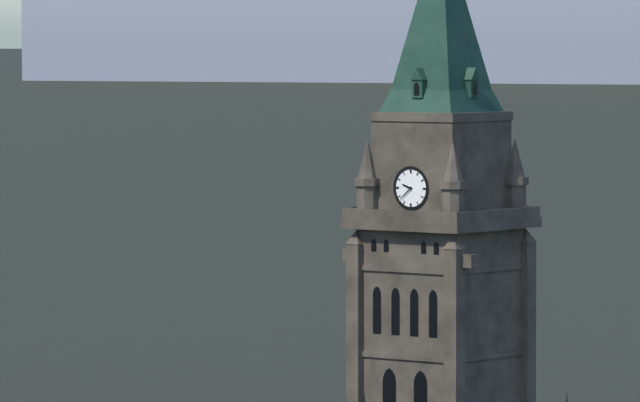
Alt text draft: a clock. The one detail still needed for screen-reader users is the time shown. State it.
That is 9:38
